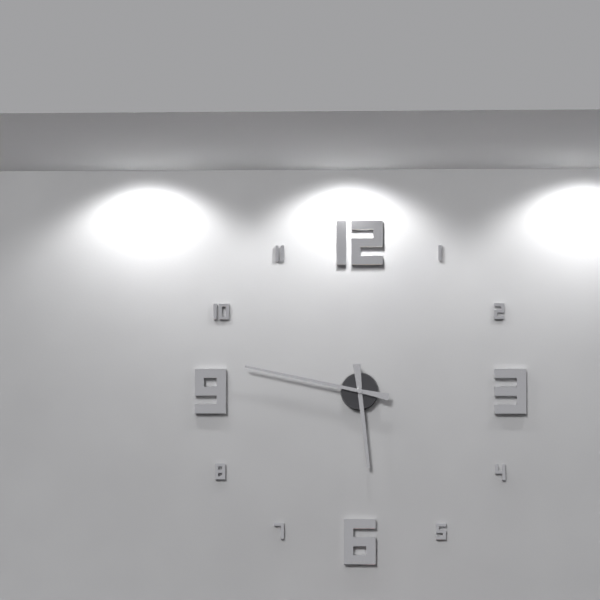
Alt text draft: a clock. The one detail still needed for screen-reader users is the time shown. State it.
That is 5:47
